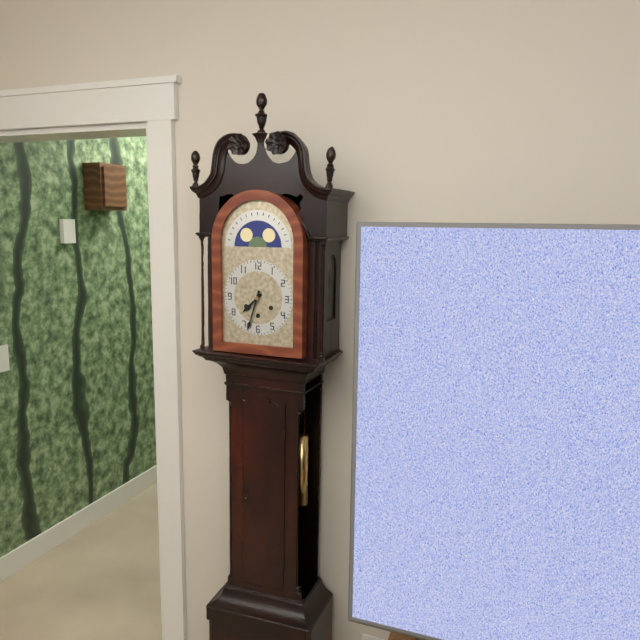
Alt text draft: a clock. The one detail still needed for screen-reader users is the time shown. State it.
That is 7:33
